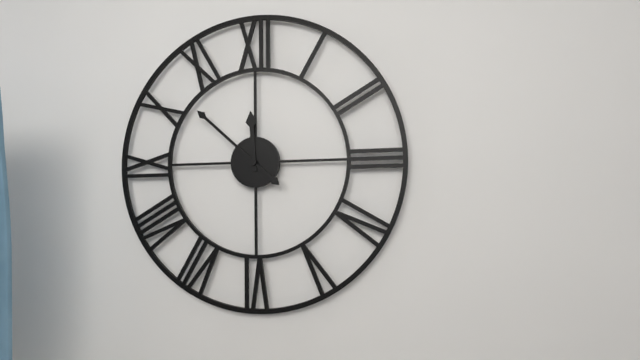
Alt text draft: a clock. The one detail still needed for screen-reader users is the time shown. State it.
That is 11:52
